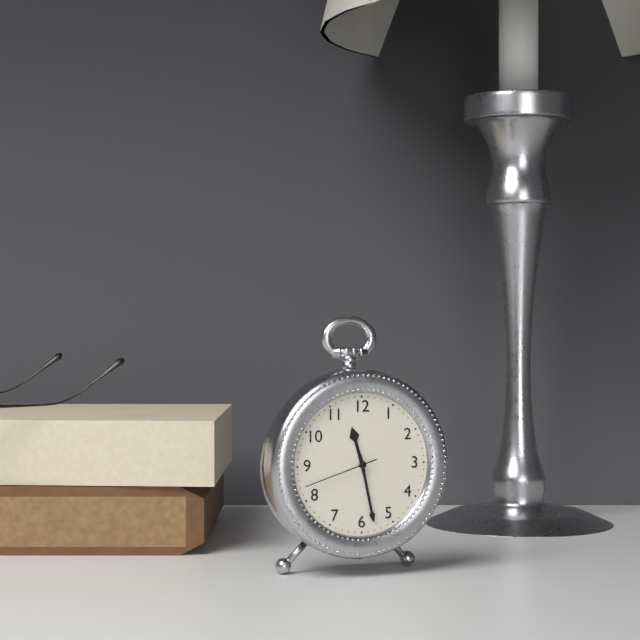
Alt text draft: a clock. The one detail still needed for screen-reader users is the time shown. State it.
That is 11:28:42
